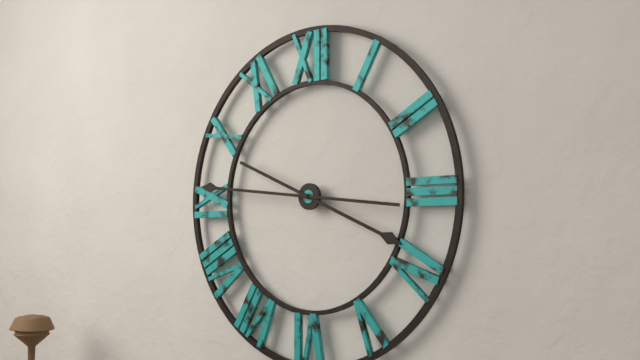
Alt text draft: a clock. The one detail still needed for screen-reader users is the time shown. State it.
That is 3:46
